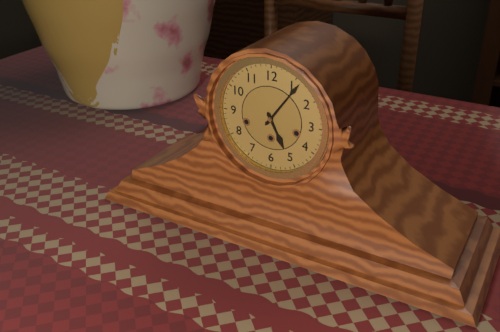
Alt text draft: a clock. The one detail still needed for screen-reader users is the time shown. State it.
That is 5:06
